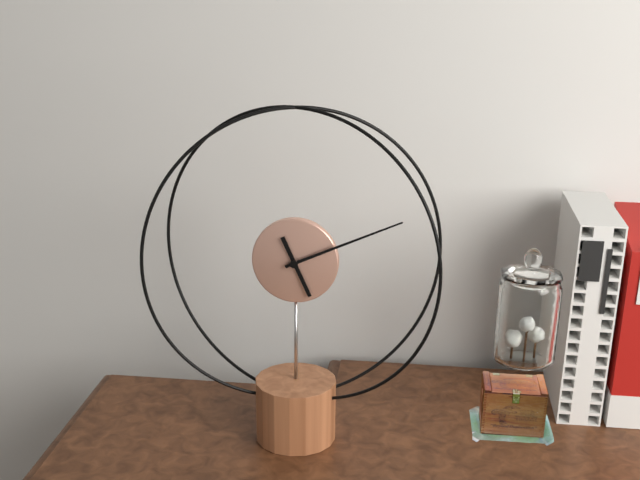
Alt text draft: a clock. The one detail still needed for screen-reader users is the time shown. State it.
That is 5:11
